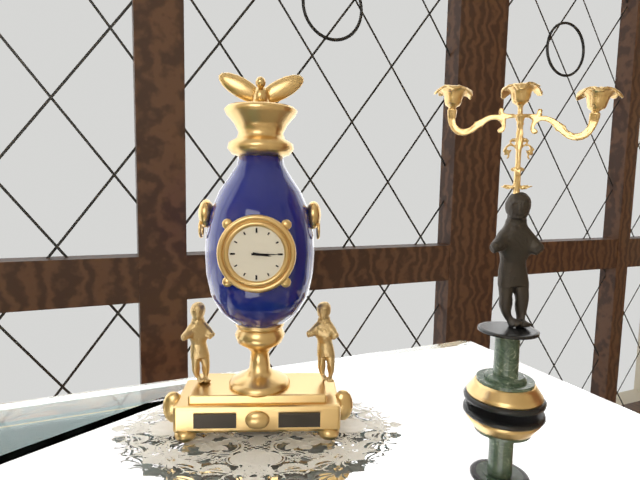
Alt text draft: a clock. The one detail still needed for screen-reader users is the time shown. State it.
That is 3:15
